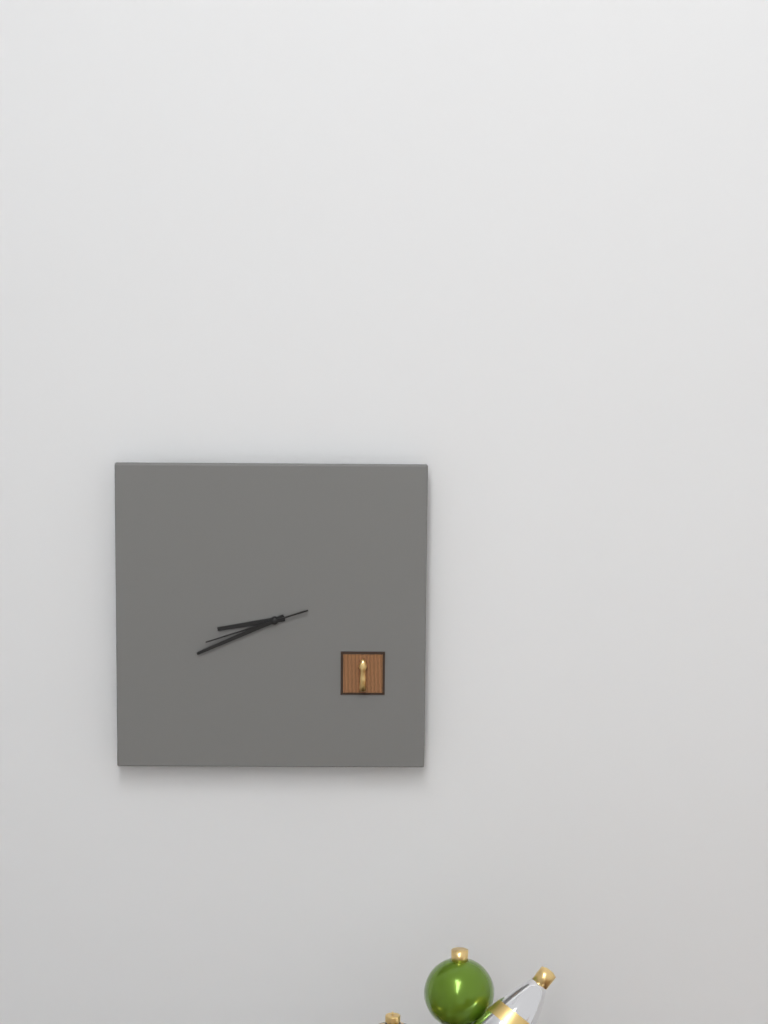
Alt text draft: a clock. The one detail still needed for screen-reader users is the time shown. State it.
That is 8:41:42
